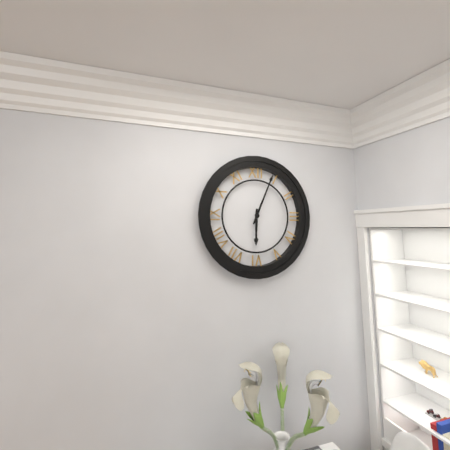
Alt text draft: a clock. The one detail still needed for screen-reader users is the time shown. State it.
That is 6:04
